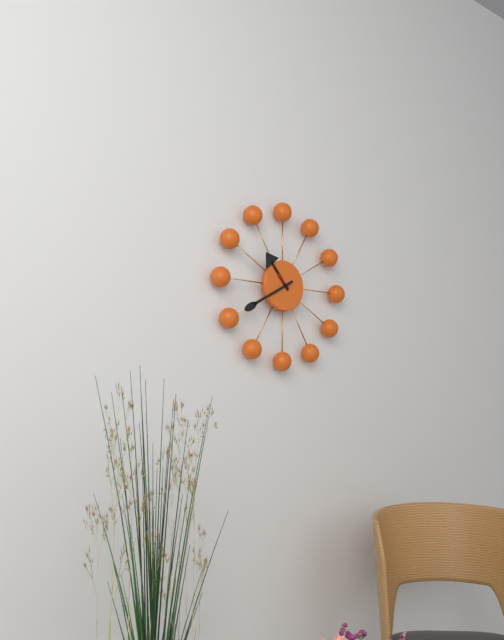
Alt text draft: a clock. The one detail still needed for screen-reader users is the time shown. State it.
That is 10:40
